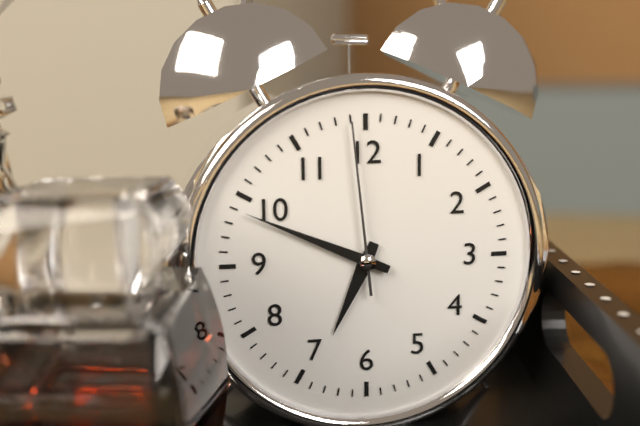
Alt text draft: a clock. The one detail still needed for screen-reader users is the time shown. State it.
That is 6:49:59
